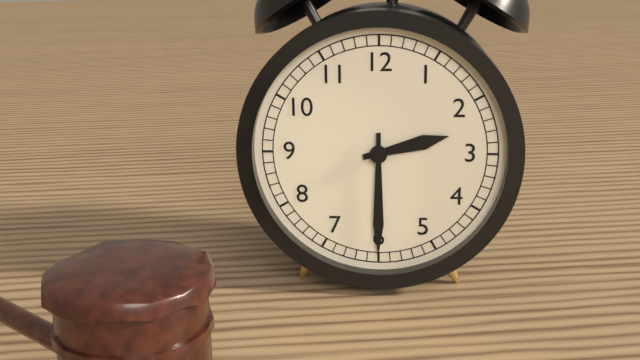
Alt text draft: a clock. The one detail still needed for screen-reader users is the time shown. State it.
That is 2:30
